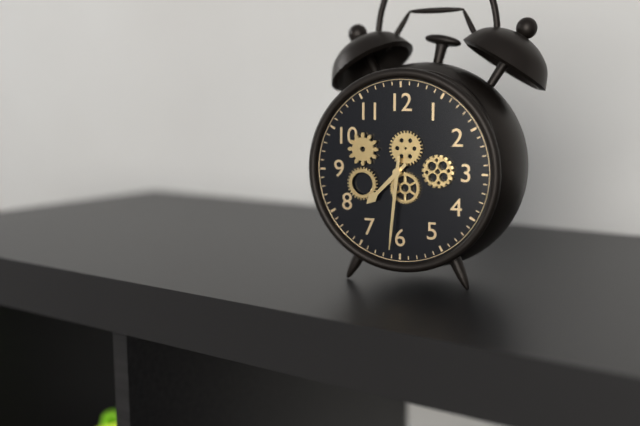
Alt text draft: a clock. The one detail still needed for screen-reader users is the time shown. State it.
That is 7:31
